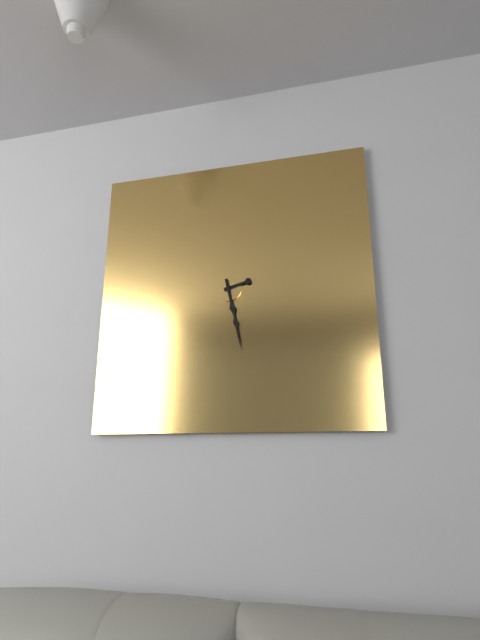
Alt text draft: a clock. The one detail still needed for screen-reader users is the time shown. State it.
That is 2:28
